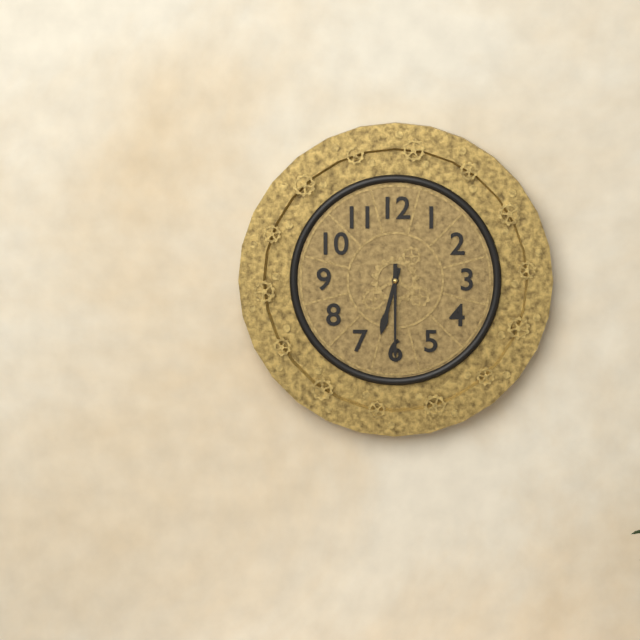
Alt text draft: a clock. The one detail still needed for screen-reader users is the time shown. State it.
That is 6:30
